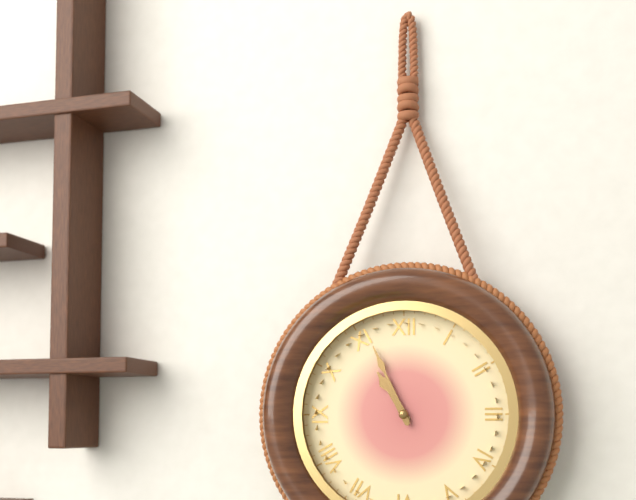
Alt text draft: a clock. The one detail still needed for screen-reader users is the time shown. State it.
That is 10:56
